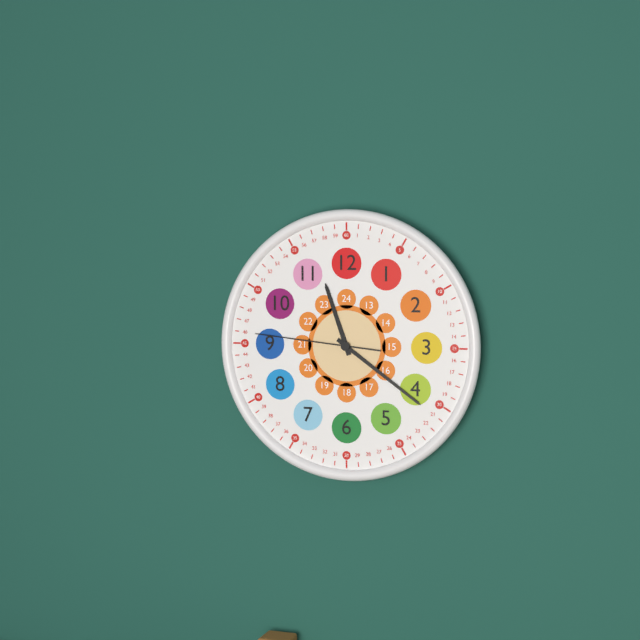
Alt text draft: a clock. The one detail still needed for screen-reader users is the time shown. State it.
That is 11:21:46
